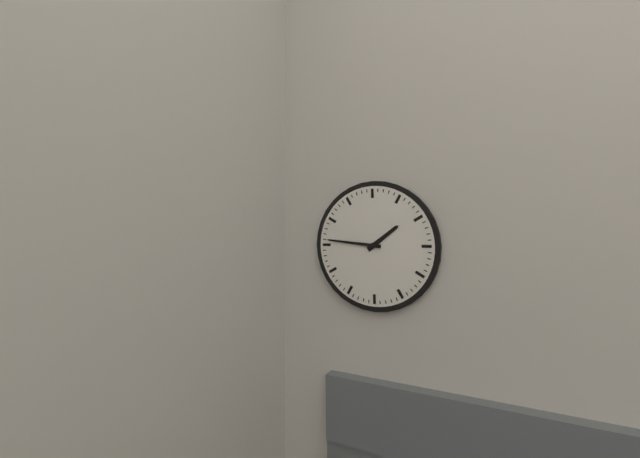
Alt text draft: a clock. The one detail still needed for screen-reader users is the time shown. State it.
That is 1:46
